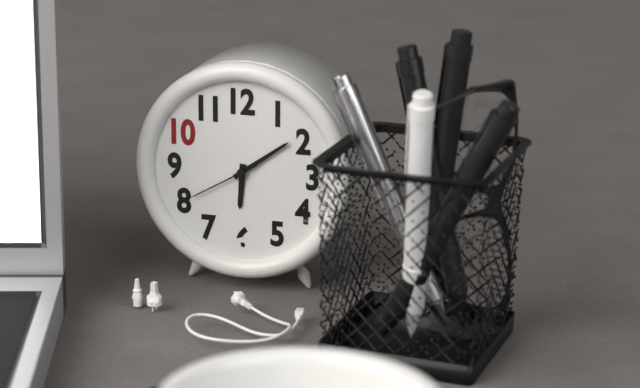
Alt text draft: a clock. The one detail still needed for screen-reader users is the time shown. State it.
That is 6:09:40
